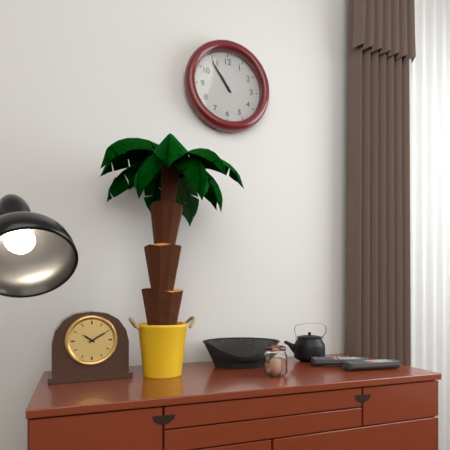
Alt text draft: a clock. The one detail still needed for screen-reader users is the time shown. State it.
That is 10:54
